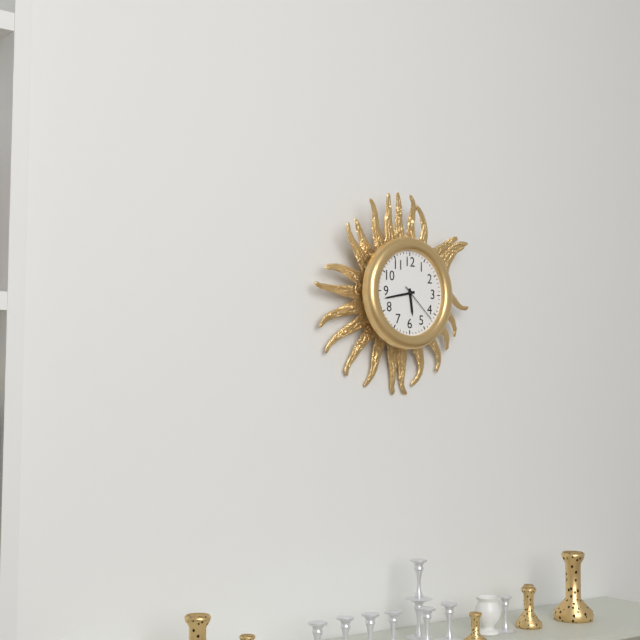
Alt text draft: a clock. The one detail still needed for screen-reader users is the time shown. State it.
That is 5:43
